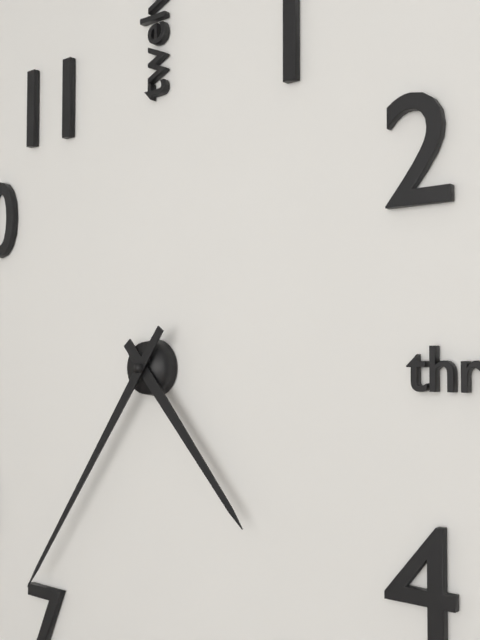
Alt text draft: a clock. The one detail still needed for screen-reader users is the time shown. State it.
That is 4:36
